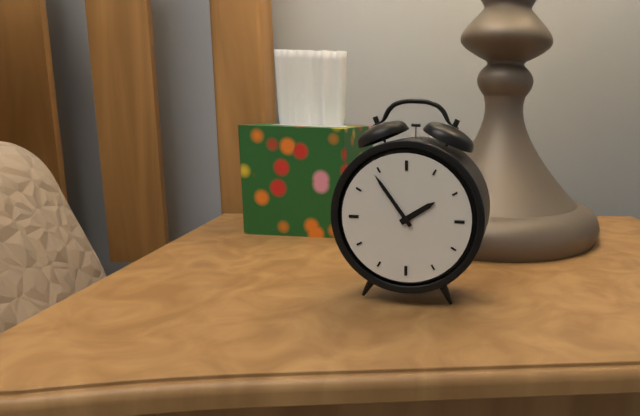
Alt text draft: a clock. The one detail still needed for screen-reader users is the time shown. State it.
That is 1:54
